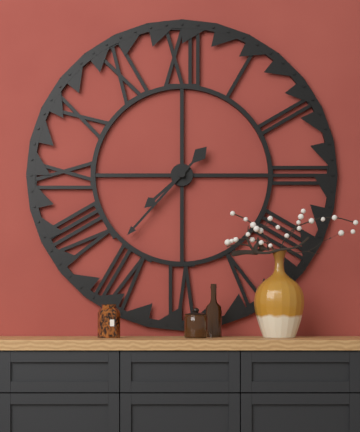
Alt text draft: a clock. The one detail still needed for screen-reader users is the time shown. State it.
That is 7:37
